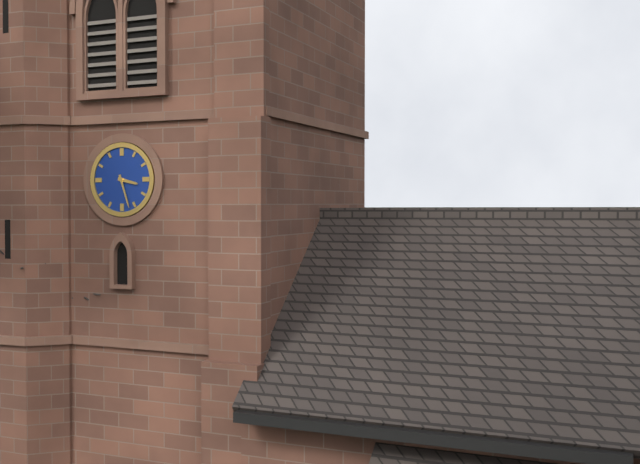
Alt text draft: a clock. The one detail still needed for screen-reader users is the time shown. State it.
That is 3:27
